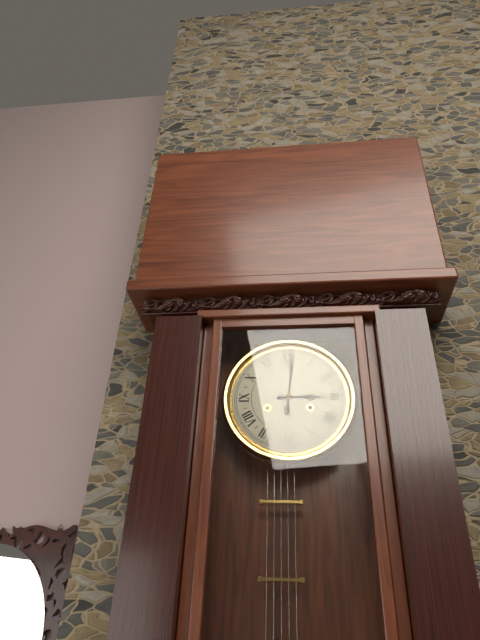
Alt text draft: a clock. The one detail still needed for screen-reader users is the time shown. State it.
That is 3:01
